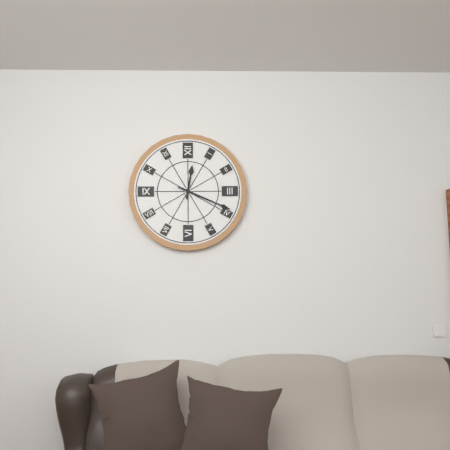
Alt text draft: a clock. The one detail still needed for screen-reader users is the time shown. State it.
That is 12:19
